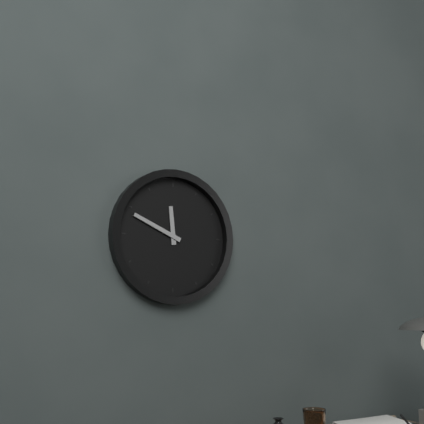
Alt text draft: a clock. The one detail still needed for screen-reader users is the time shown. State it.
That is 11:49
